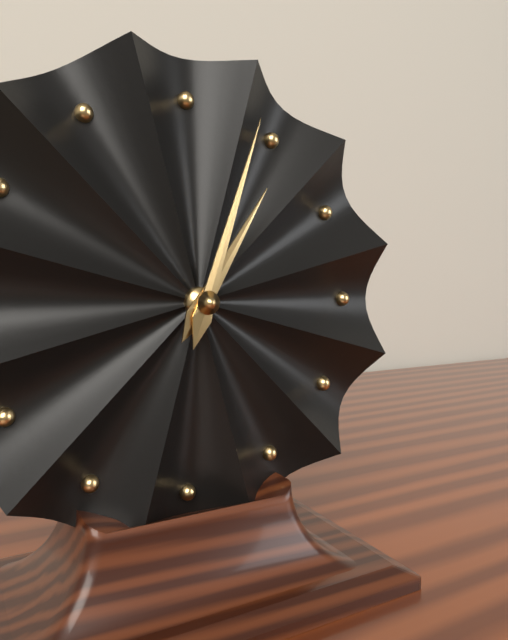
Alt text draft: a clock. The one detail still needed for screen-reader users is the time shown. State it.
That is 1:03
